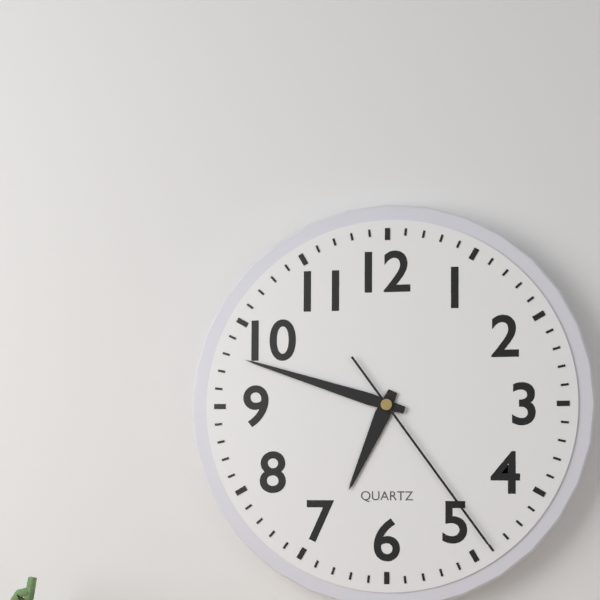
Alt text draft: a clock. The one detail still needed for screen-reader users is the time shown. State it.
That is 6:48:24
